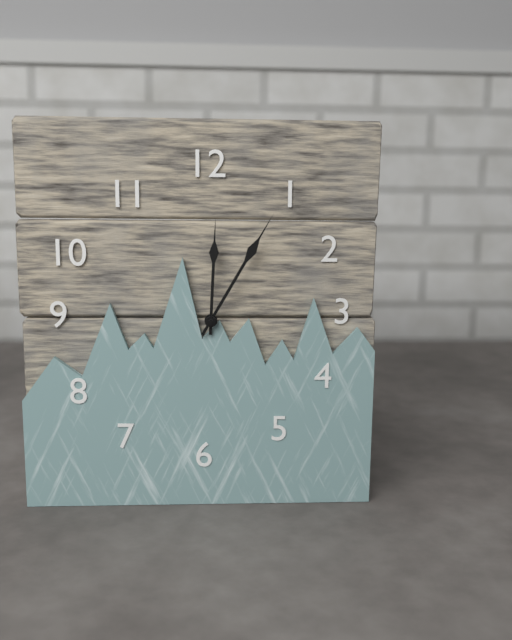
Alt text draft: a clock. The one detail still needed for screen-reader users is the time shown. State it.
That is 12:05
